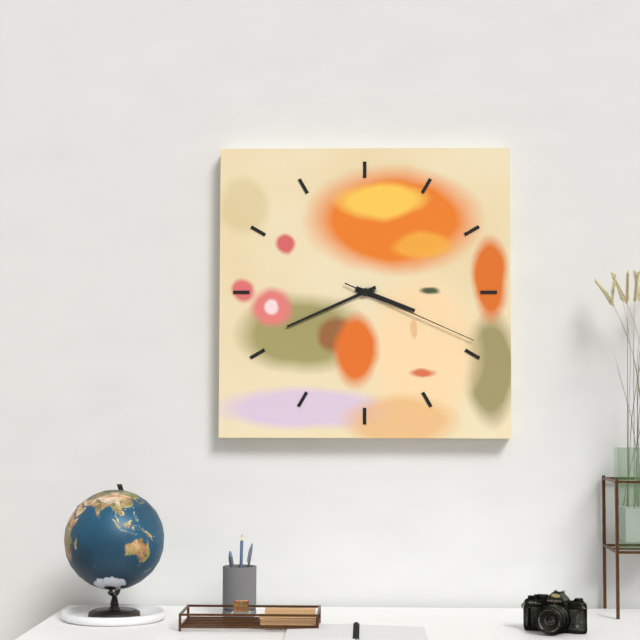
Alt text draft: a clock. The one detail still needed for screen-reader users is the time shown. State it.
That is 3:41:19
